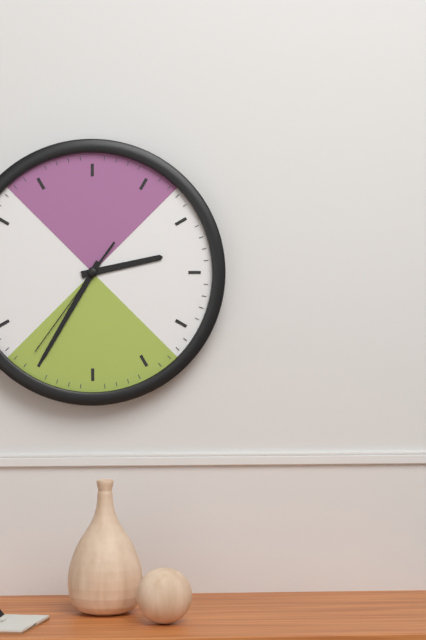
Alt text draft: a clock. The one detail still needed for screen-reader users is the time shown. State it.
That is 2:35:36
